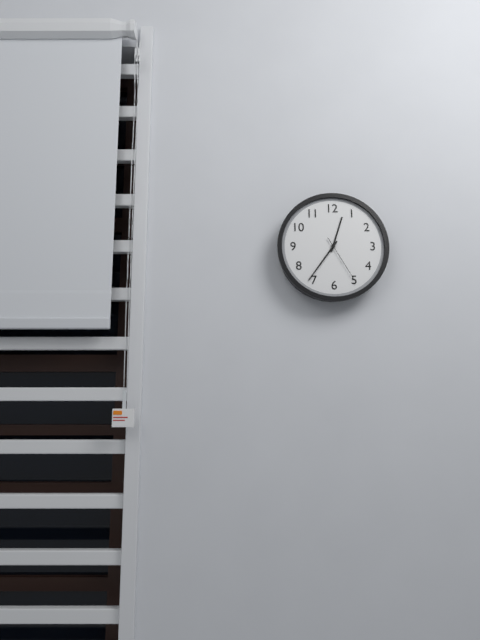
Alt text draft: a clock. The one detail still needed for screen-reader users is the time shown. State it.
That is 12:36:25
